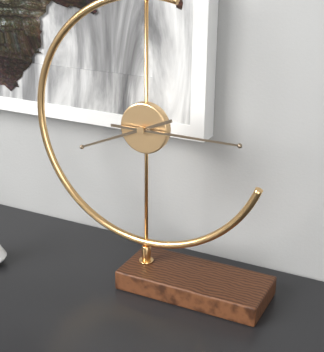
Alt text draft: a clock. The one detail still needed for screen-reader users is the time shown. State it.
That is 8:15
